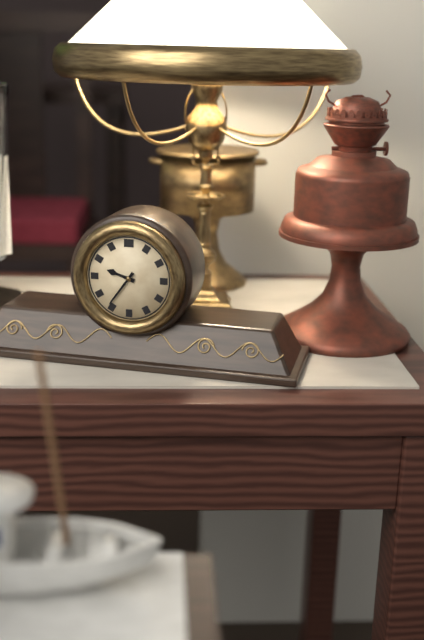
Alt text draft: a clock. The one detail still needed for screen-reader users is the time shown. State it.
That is 9:36
